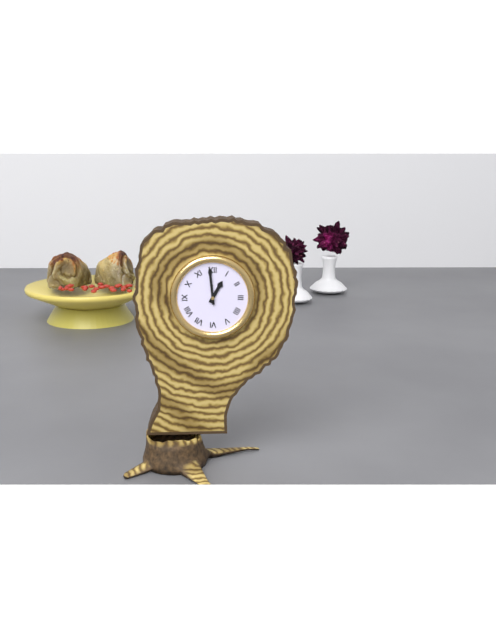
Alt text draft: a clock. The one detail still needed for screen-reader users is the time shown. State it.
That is 12:59
